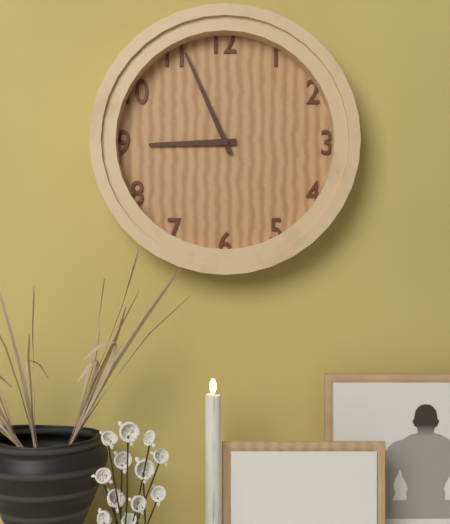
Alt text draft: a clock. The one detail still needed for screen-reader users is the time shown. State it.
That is 8:56
